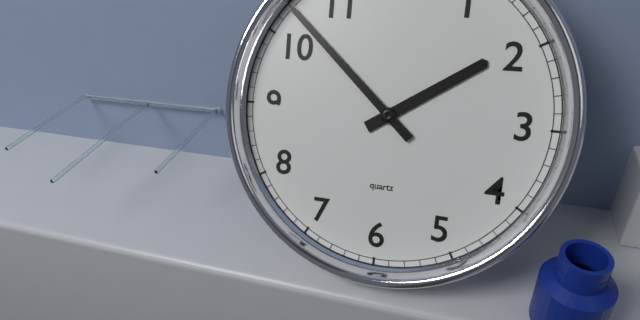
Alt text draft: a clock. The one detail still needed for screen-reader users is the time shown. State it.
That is 1:52
